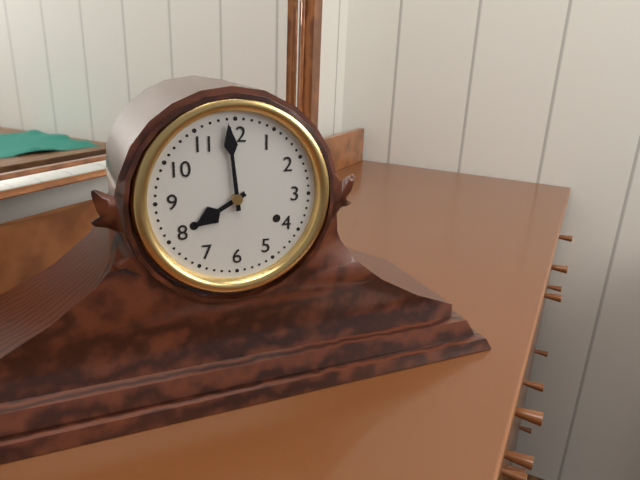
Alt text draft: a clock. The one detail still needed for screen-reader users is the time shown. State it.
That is 7:59
